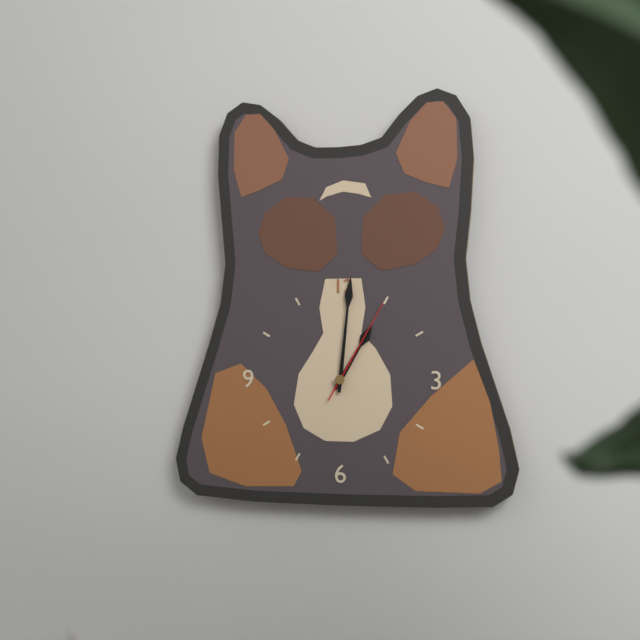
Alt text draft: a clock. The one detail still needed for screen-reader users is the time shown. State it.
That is 1:01:05
